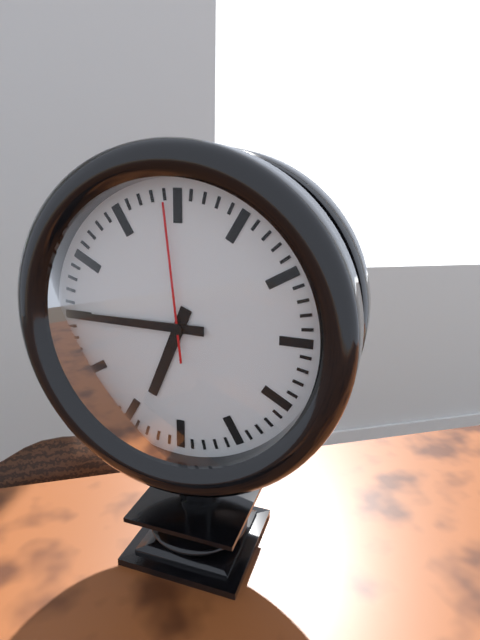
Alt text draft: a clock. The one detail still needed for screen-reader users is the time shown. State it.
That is 6:45:59
